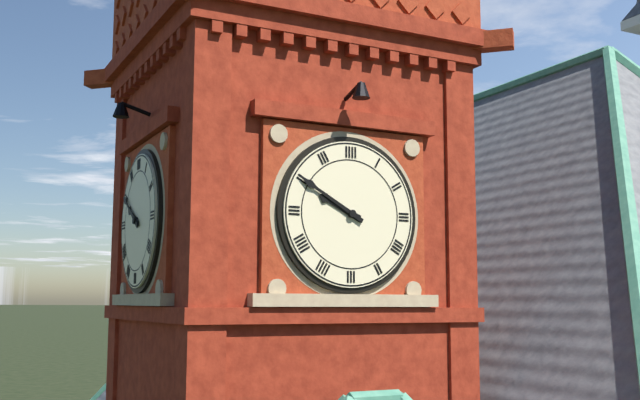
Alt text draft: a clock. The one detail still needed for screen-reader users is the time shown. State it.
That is 9:50
